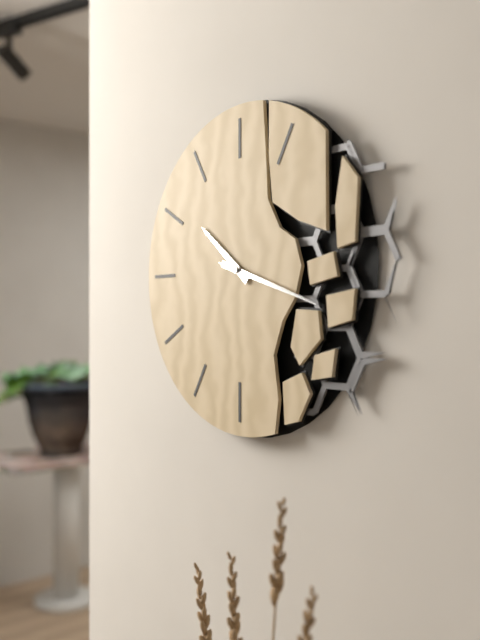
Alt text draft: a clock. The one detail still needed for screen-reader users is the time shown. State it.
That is 10:18:18
